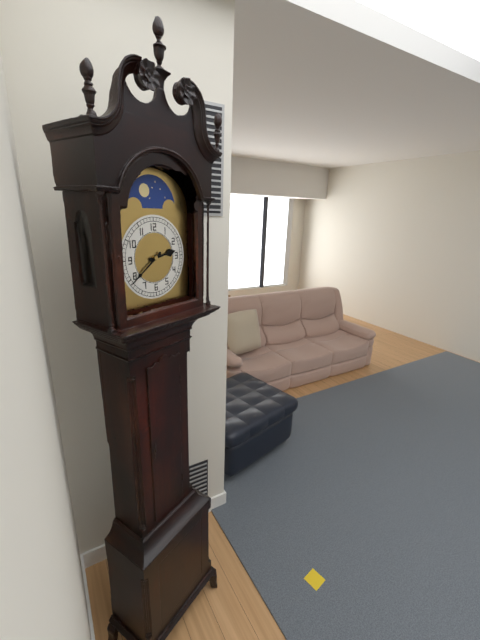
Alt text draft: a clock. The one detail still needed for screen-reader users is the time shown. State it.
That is 2:39
